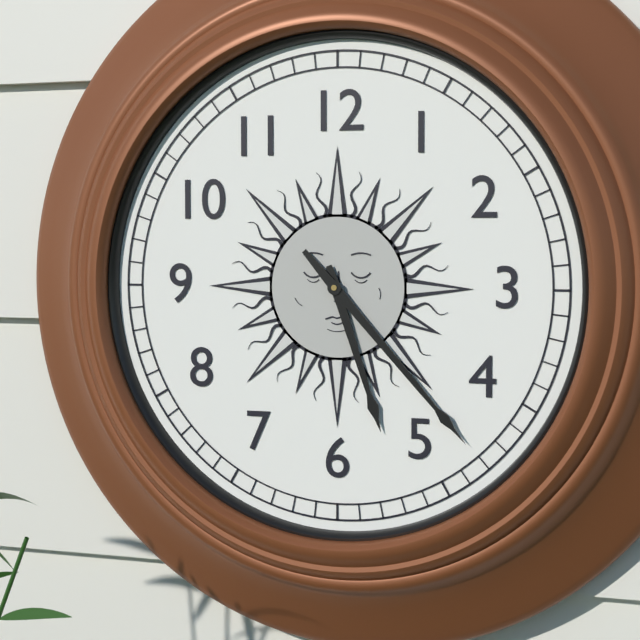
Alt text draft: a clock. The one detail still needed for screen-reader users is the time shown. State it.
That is 5:23
